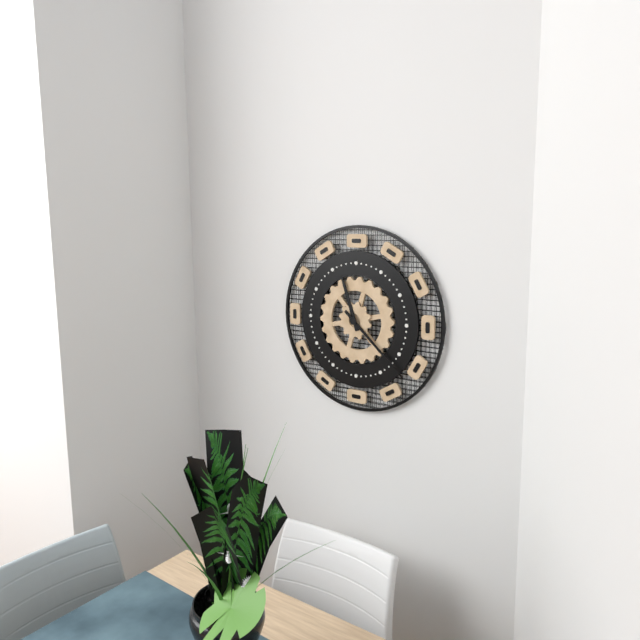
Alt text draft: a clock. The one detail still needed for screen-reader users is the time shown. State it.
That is 11:22
